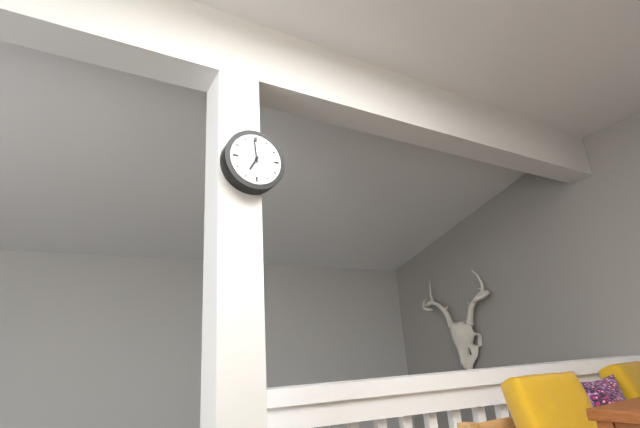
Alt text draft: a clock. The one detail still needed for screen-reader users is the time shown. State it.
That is 6:59
